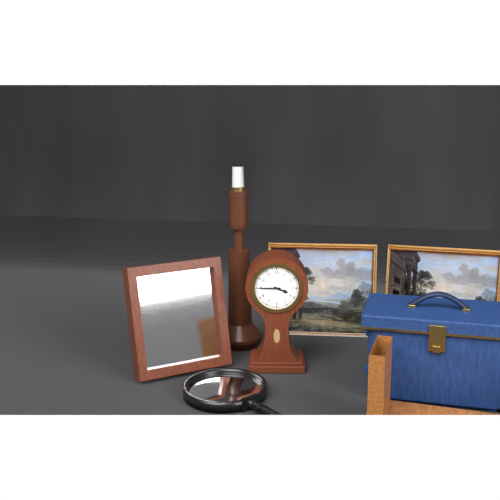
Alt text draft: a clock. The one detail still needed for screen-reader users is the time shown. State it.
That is 3:45
